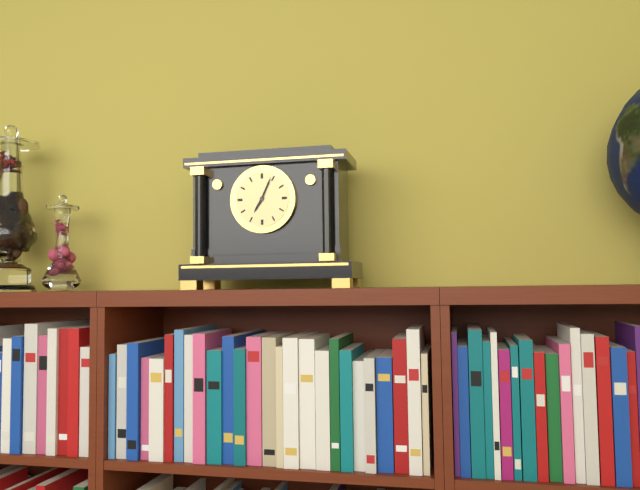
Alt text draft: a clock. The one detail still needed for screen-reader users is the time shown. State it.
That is 7:04
